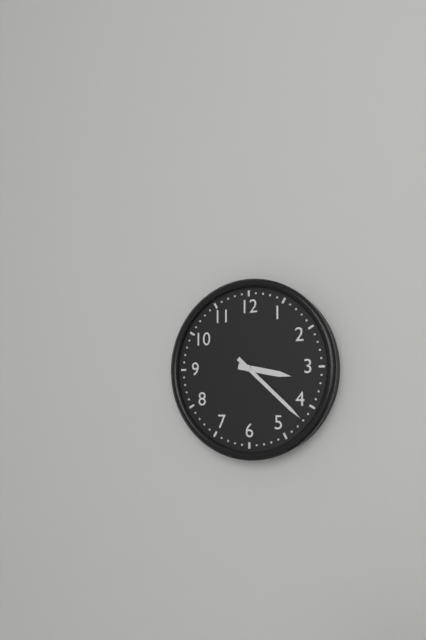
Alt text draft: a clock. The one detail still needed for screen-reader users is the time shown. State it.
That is 3:22
